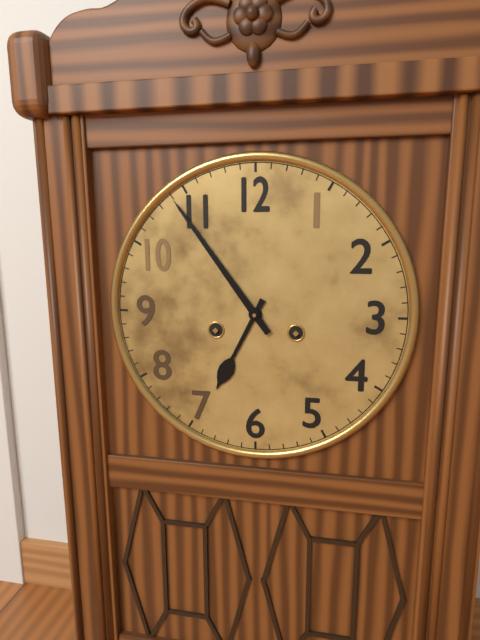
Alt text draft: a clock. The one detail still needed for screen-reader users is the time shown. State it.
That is 6:54
